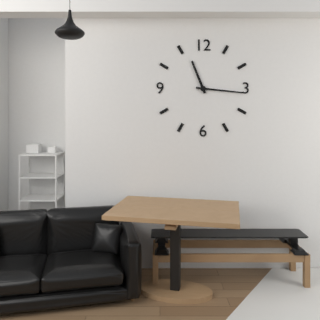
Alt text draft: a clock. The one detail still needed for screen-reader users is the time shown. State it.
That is 11:16
